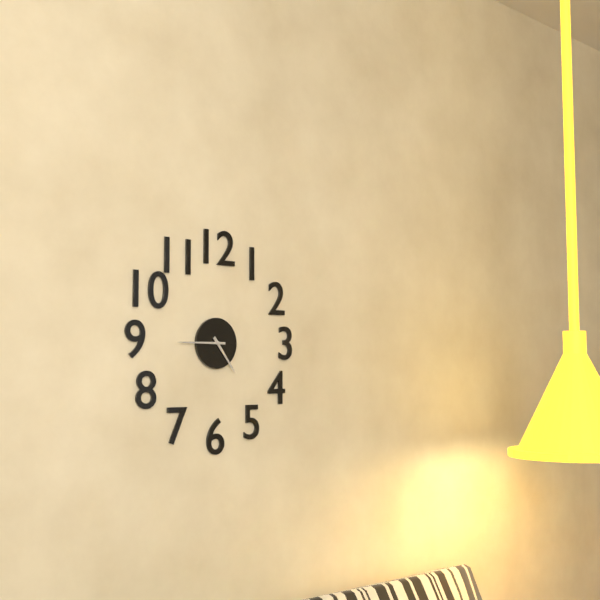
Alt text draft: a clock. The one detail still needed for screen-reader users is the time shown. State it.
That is 4:45
